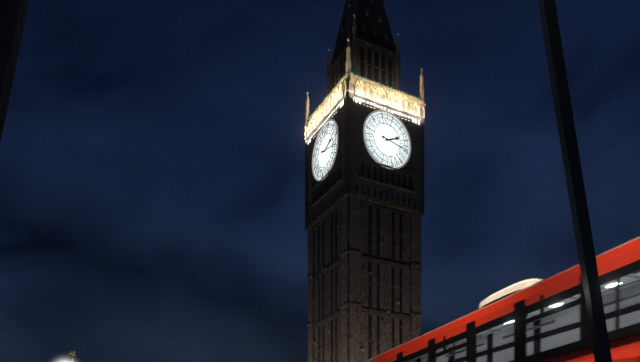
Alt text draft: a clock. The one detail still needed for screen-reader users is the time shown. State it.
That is 2:17
